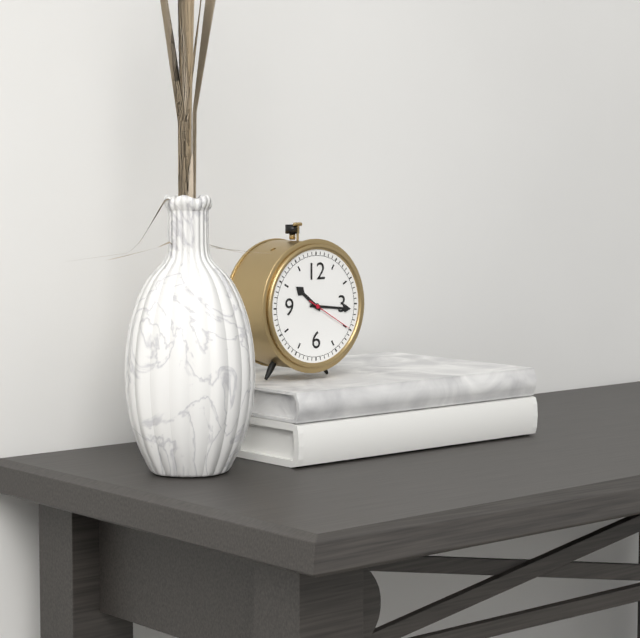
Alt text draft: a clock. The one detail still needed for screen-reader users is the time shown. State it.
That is 10:16
